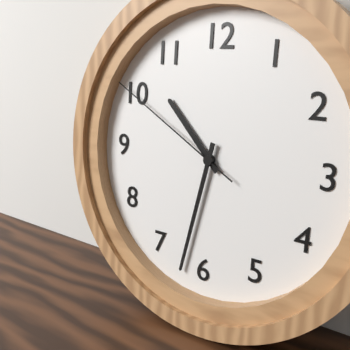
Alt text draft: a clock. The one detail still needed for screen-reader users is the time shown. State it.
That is 10:32:50
